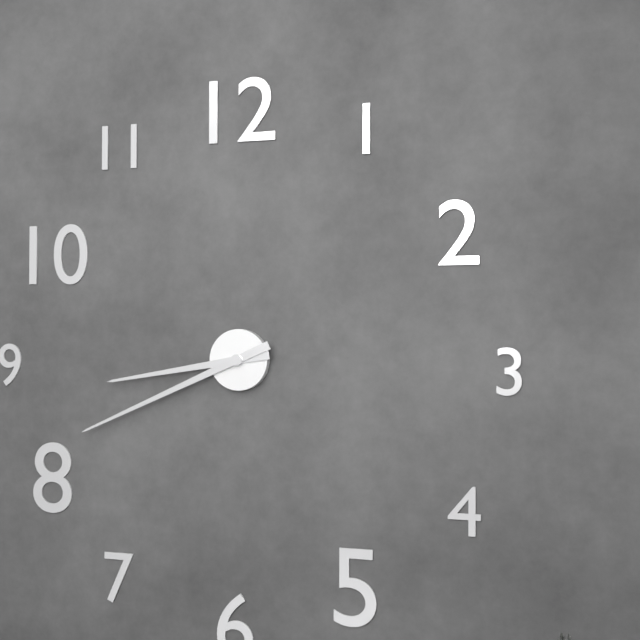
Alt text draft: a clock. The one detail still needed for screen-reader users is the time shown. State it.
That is 8:41
